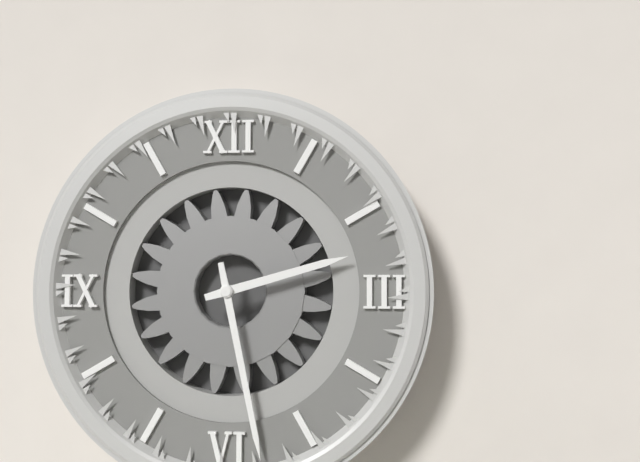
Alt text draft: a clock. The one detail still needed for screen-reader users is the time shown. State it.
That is 2:28
